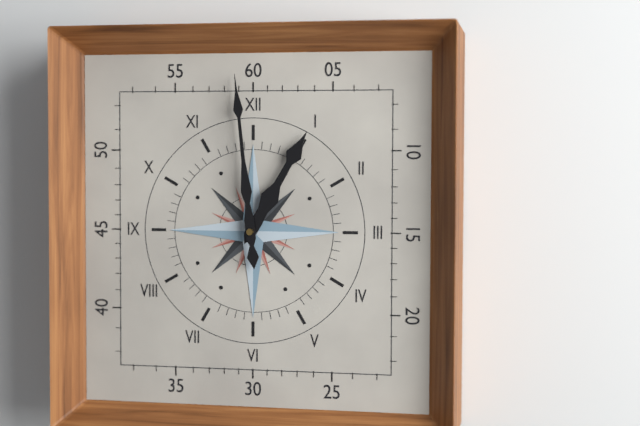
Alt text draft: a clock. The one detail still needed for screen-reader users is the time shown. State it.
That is 12:59
